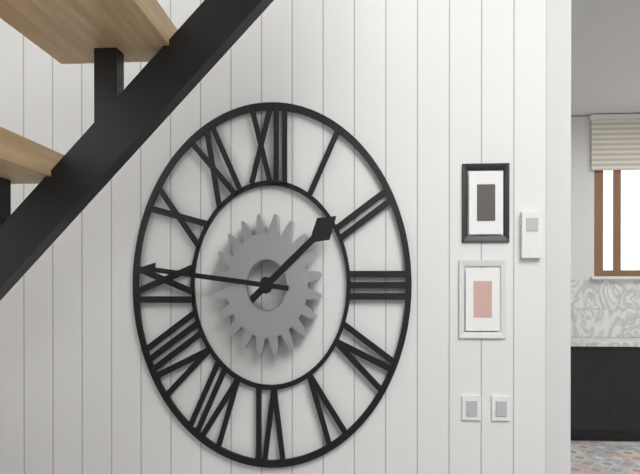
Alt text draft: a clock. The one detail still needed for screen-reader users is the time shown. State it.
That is 1:46
